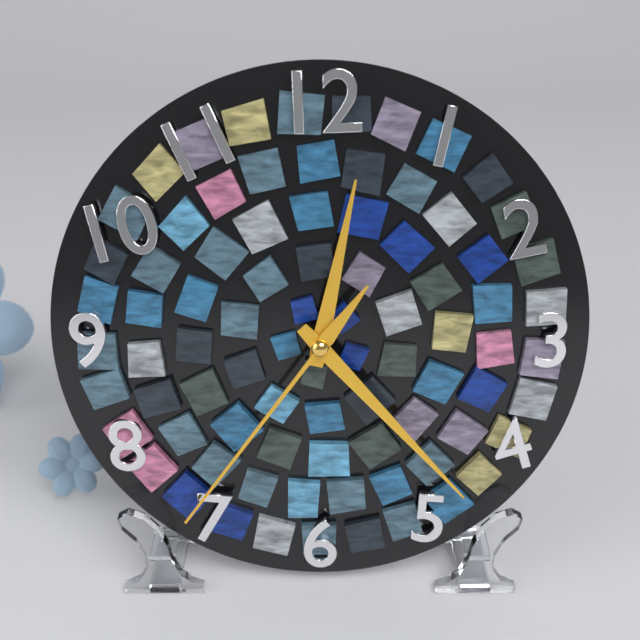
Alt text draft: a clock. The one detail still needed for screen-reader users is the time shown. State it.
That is 12:23:36
